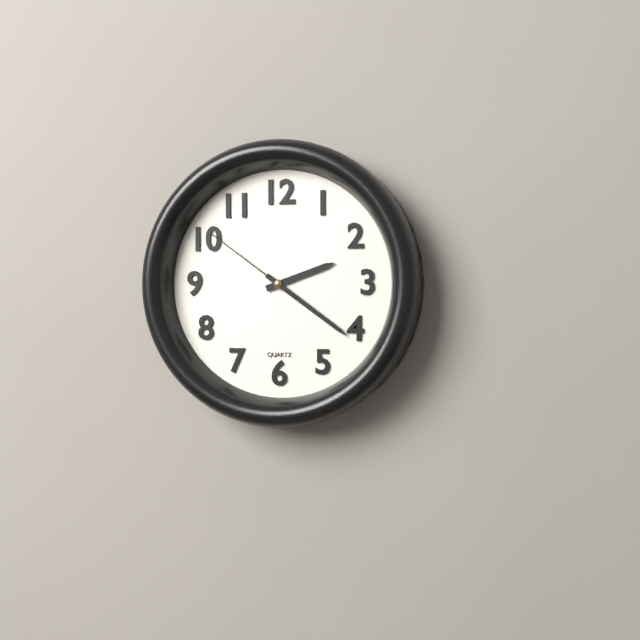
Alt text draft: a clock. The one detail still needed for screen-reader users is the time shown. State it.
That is 2:21:51
